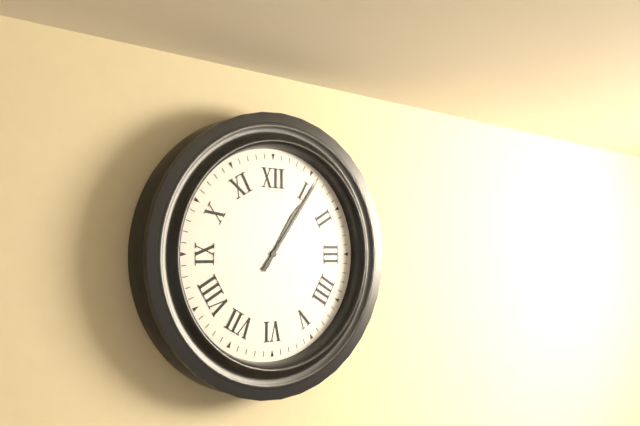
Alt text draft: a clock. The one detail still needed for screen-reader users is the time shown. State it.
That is 1:06
